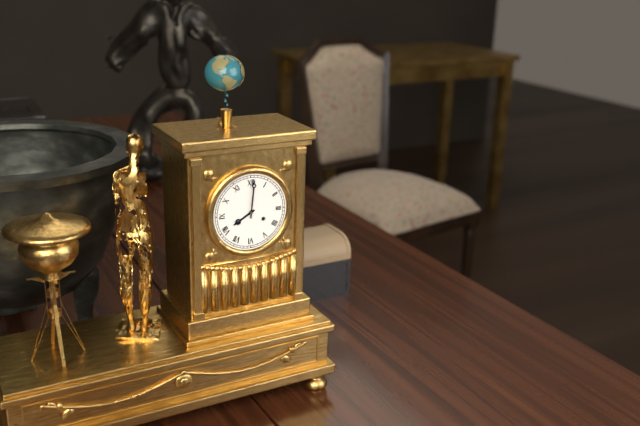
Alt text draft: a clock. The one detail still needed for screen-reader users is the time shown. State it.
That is 8:01
